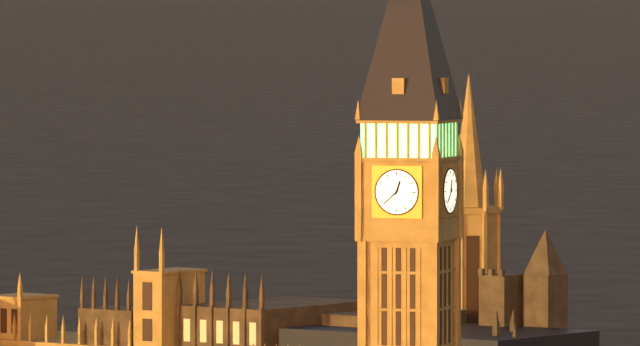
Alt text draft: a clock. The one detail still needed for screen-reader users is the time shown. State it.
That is 12:38
